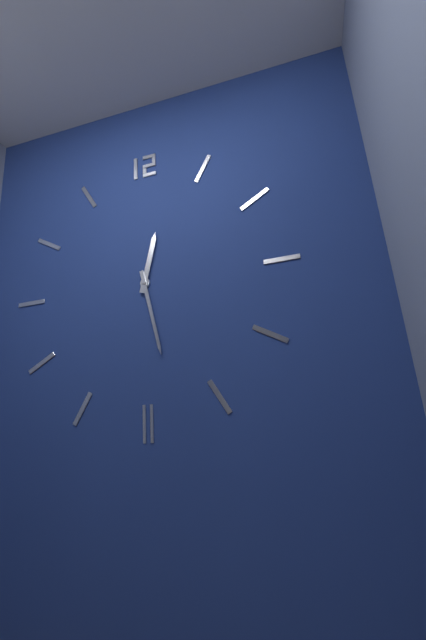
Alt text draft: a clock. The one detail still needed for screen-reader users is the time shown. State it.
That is 12:28
